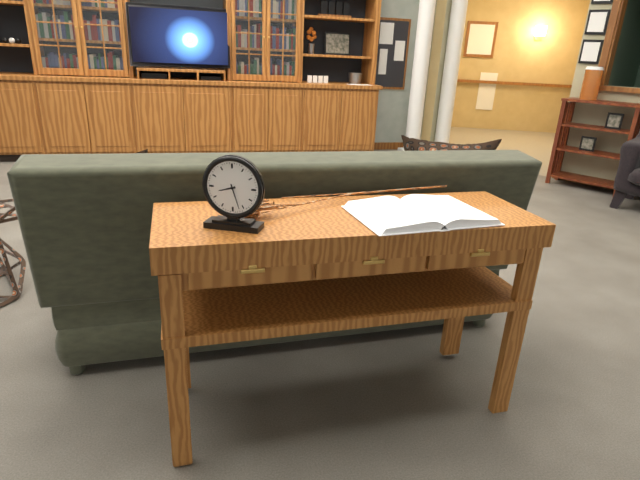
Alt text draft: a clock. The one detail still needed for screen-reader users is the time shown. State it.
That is 8:27
